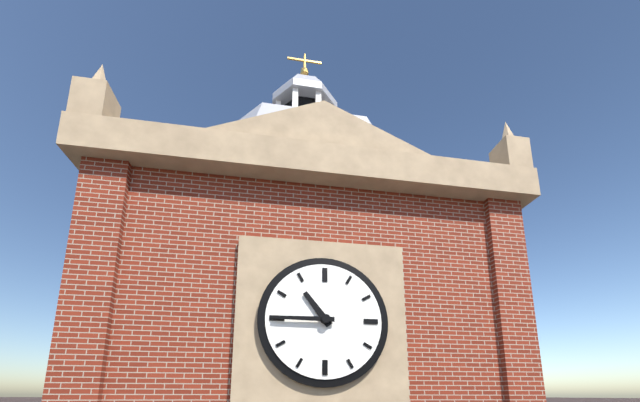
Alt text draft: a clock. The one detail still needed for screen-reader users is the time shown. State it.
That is 10:45
